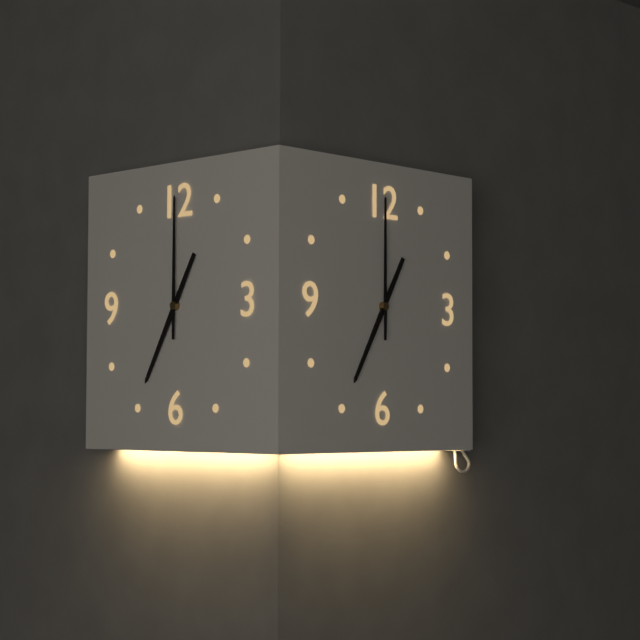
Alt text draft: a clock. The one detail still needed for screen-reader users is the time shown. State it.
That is 7:00
